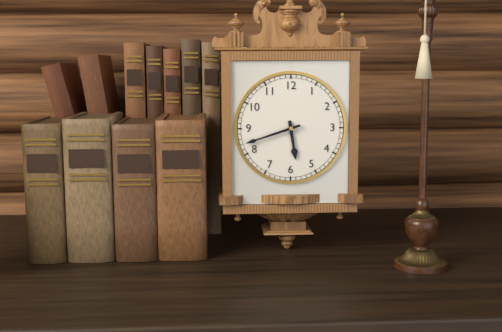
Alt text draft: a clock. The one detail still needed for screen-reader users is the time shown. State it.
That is 5:42
